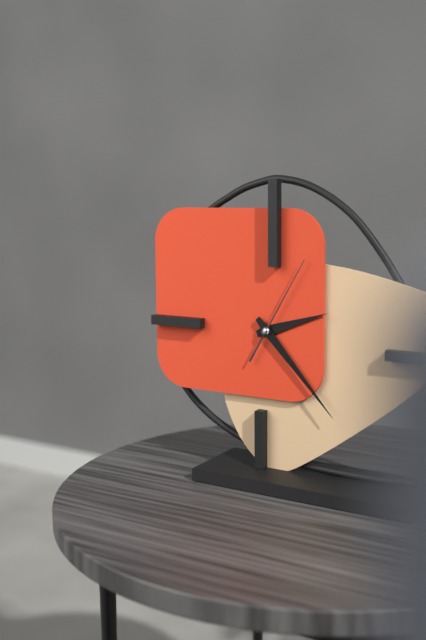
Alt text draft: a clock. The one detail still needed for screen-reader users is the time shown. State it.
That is 2:23:05
